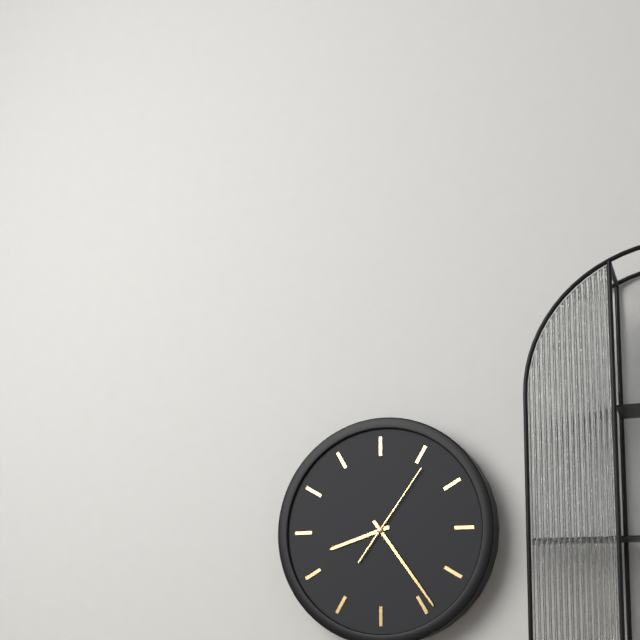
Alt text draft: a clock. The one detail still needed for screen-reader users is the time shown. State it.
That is 8:24:06
